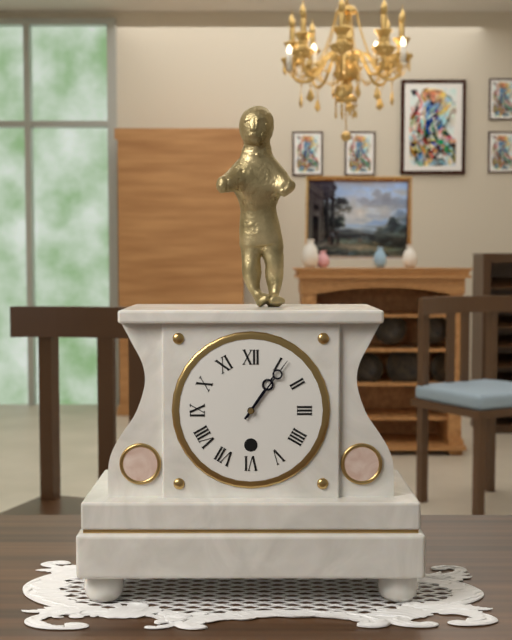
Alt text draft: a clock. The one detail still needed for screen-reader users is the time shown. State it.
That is 1:06
